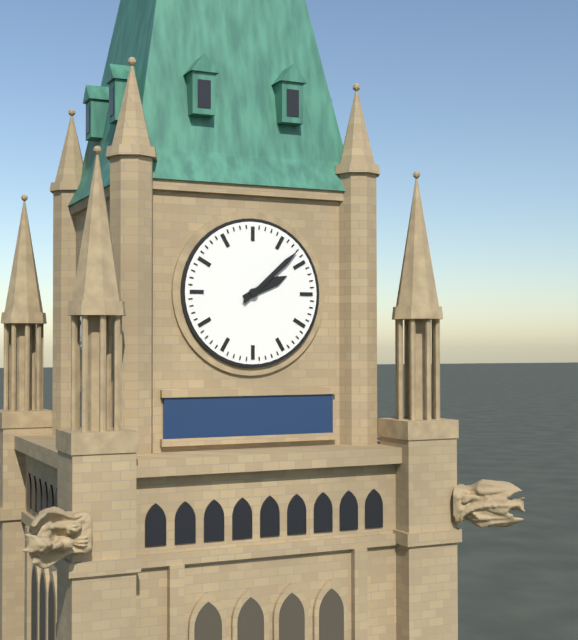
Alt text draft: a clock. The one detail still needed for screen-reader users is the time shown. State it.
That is 2:08
